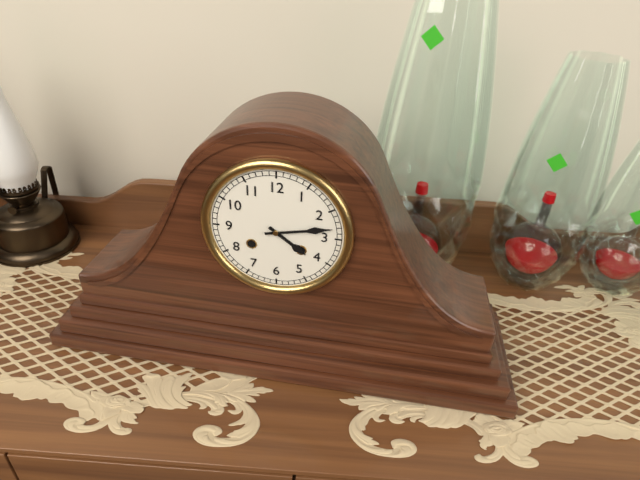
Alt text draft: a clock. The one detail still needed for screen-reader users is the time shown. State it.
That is 4:13
